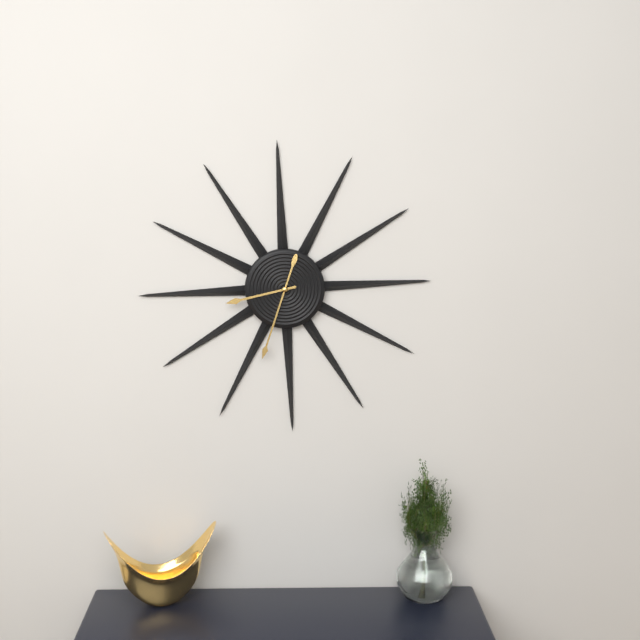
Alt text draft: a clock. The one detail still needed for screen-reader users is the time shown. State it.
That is 8:33
